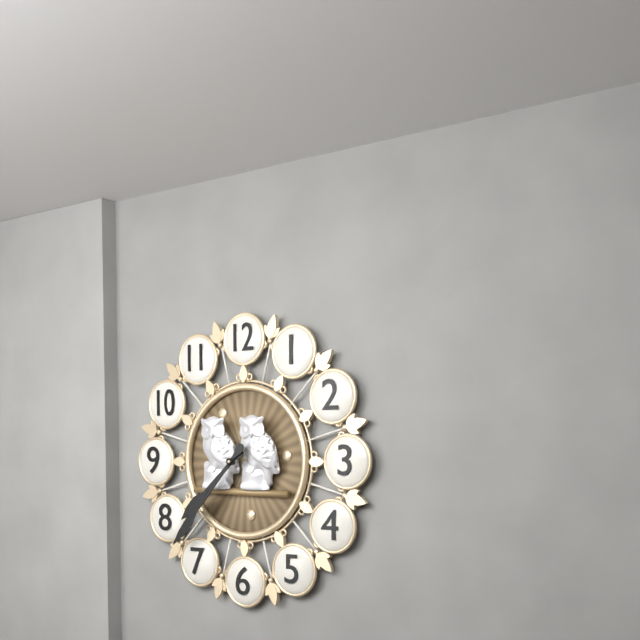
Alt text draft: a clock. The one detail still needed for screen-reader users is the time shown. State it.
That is 7:37
